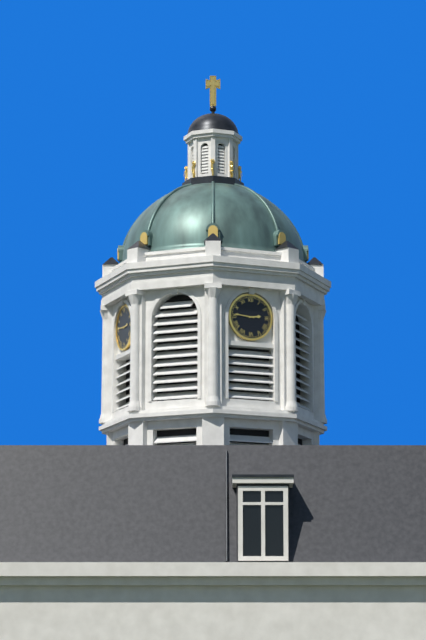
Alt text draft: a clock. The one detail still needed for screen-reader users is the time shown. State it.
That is 2:46
